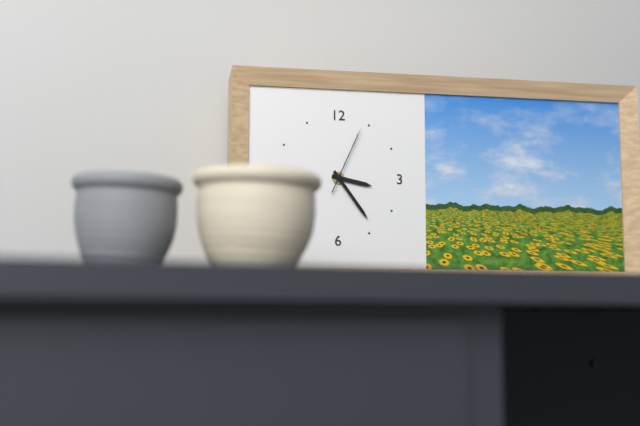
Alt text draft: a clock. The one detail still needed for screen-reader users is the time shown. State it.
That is 3:24:04
